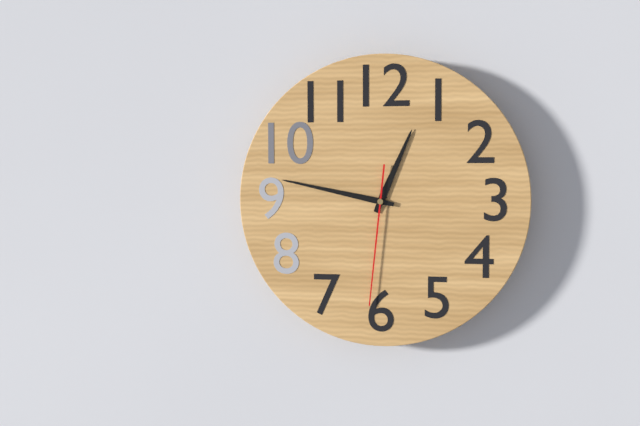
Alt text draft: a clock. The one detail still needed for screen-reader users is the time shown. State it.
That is 12:47:31
